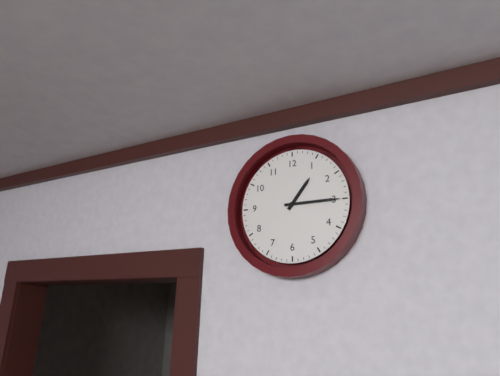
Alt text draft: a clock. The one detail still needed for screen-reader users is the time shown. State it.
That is 1:15
